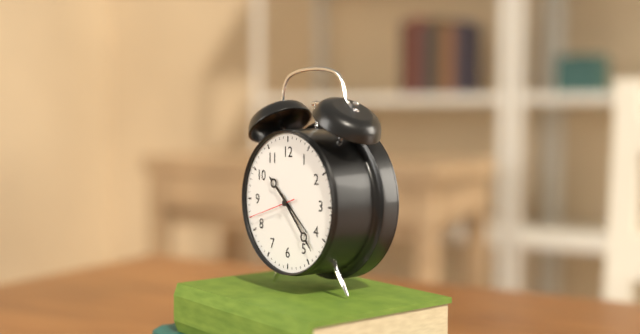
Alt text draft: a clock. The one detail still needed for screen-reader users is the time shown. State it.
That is 10:23
